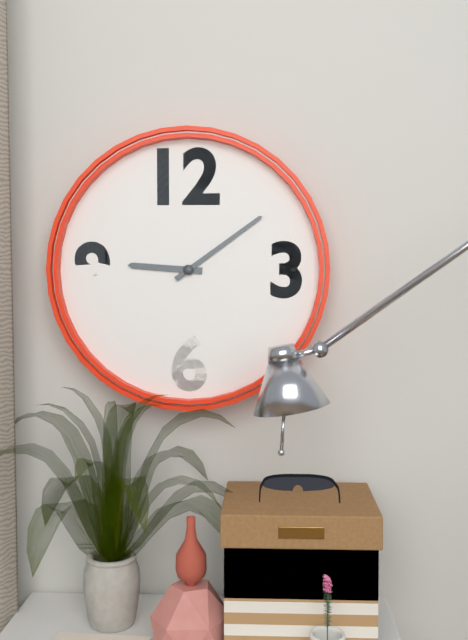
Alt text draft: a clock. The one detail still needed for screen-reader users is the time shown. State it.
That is 9:09
